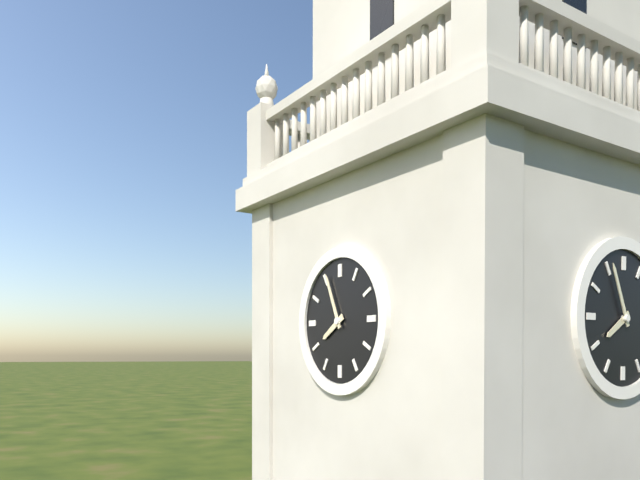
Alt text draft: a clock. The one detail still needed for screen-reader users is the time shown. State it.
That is 7:56
